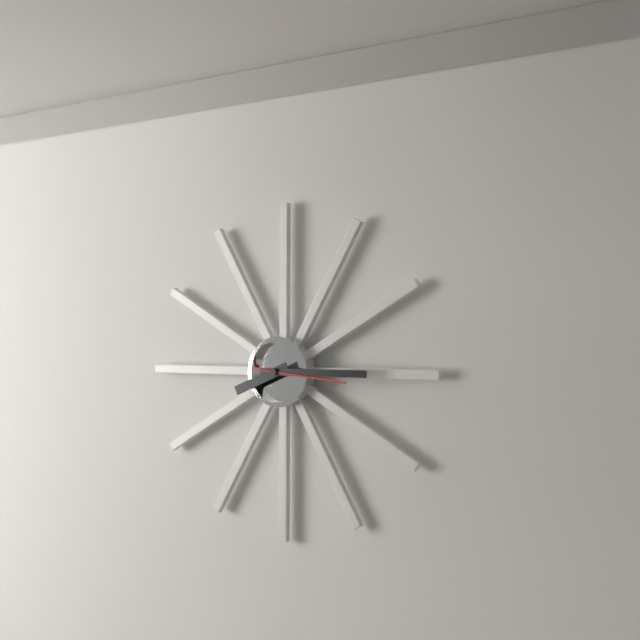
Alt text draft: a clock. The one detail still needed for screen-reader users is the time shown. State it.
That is 8:15:16
